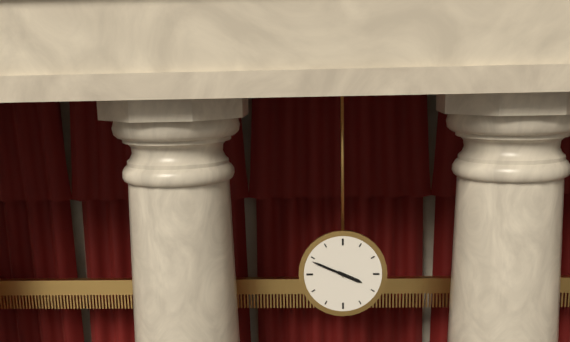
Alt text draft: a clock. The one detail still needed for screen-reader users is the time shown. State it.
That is 3:49
